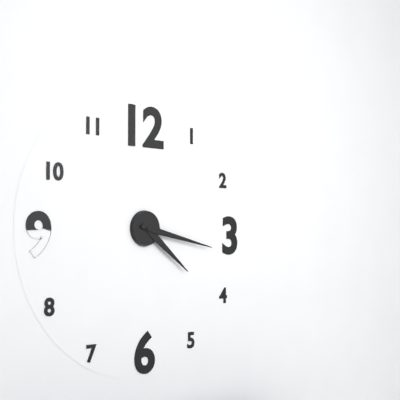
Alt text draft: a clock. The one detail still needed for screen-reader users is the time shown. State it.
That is 4:17
